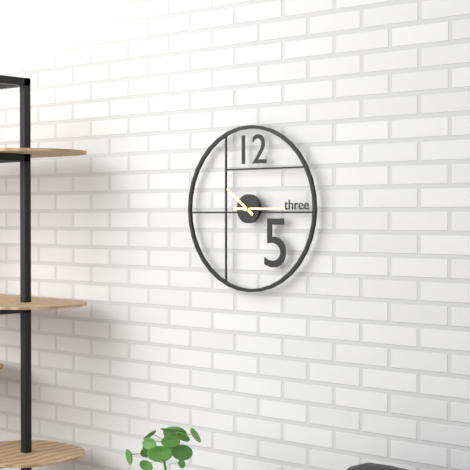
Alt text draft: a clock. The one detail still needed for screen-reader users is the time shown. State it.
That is 10:15
